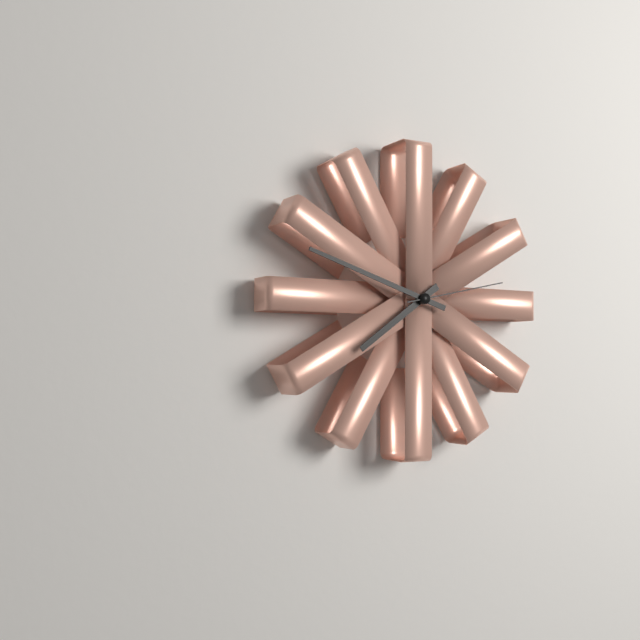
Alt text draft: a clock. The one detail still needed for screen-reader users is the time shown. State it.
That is 7:48:13
